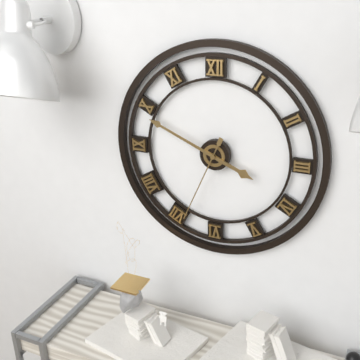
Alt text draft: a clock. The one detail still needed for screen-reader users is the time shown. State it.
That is 3:49:34
